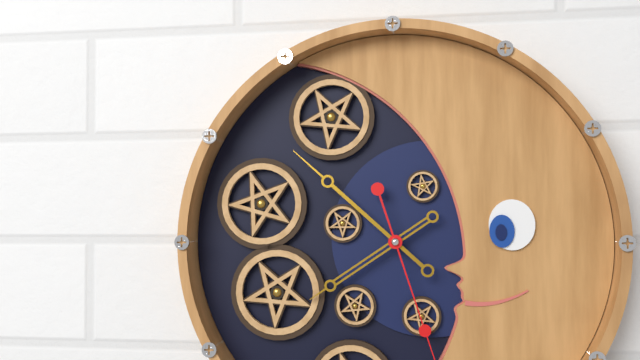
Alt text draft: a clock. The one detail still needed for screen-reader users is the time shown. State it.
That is 7:52
